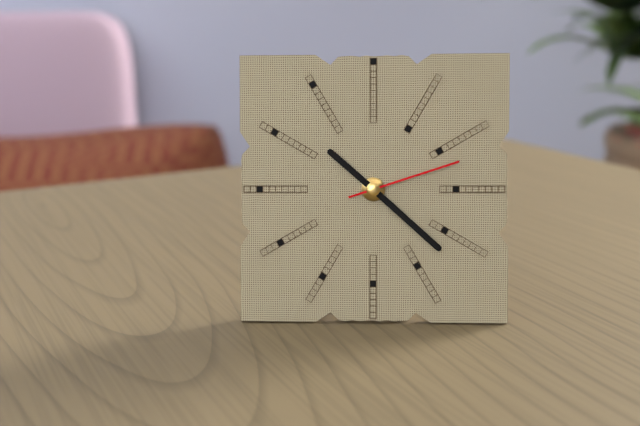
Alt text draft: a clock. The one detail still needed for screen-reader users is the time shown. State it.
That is 10:22:12
